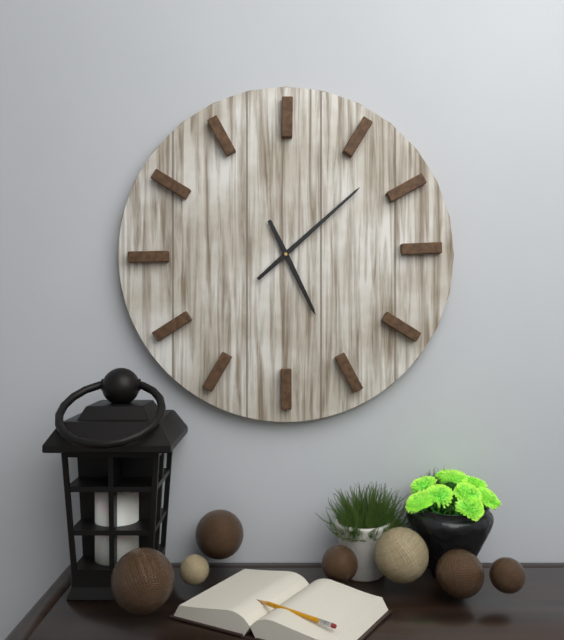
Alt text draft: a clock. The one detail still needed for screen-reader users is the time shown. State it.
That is 5:08
